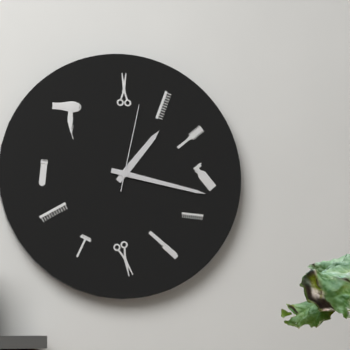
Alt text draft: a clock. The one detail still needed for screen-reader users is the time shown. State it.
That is 1:17:02
